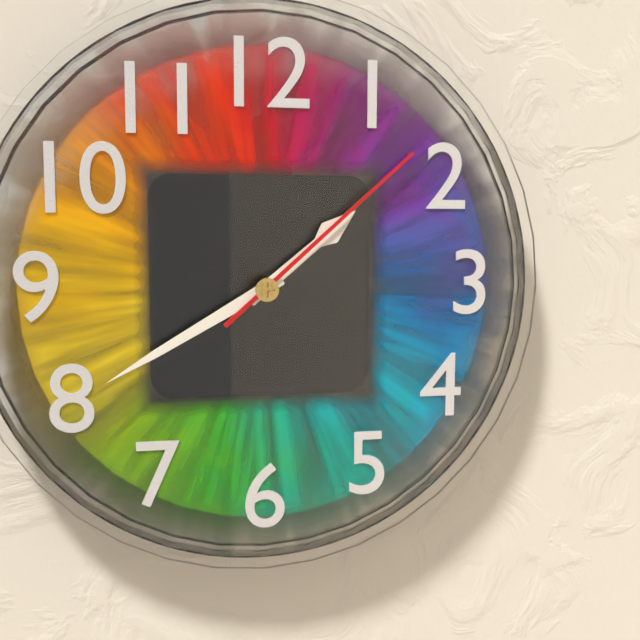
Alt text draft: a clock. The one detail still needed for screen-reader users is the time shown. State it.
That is 1:40:08
